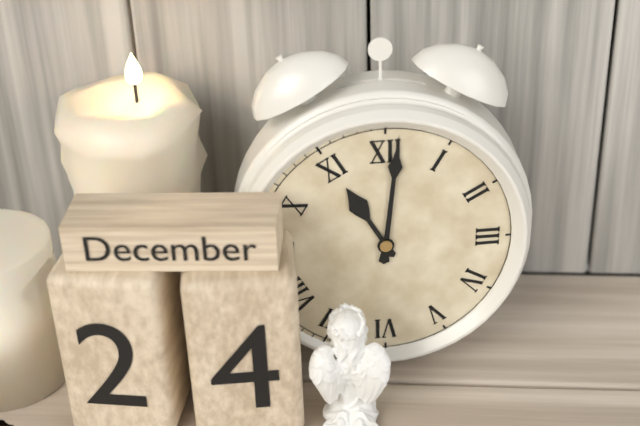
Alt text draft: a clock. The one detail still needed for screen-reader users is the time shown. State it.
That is 11:01
